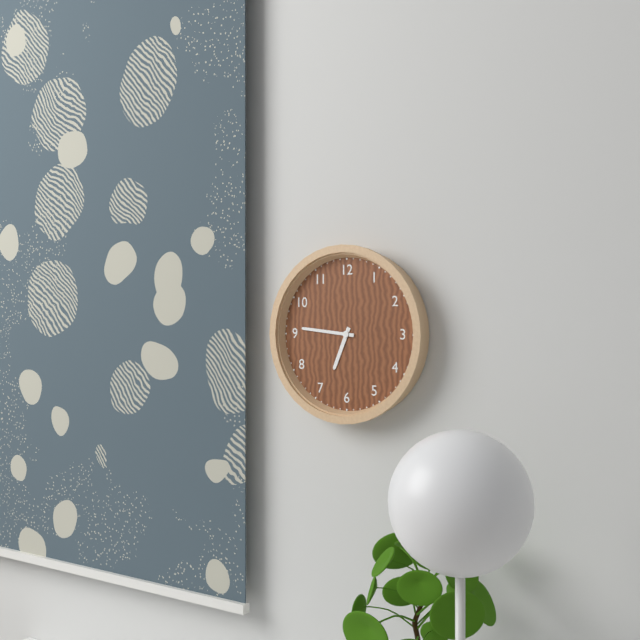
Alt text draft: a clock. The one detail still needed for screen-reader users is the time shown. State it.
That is 6:46
